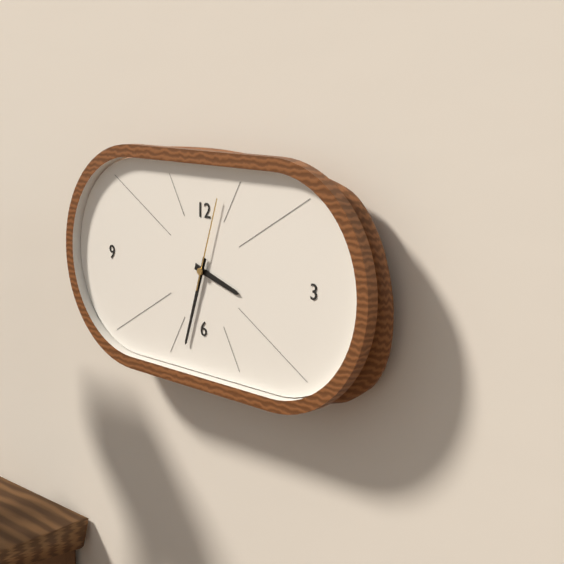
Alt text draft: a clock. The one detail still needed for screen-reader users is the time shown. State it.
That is 3:33:03
